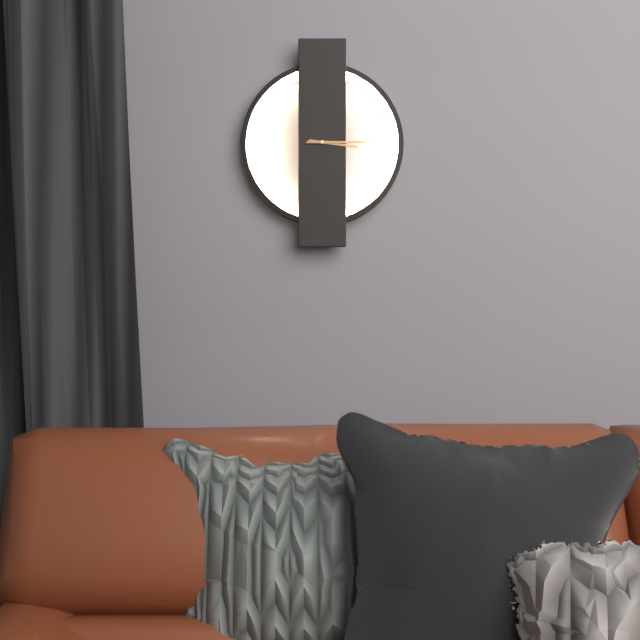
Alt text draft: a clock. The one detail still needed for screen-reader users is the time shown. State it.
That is 3:15
